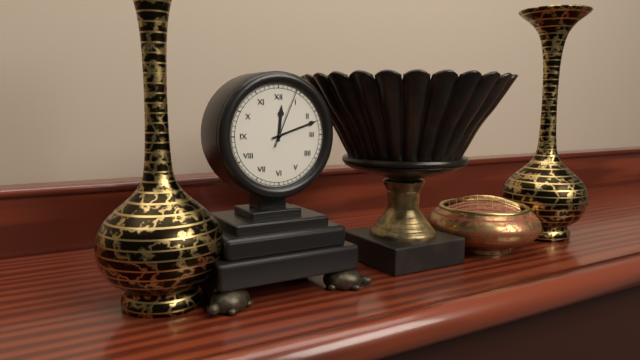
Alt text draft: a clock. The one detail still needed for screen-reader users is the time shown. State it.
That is 12:12:04
